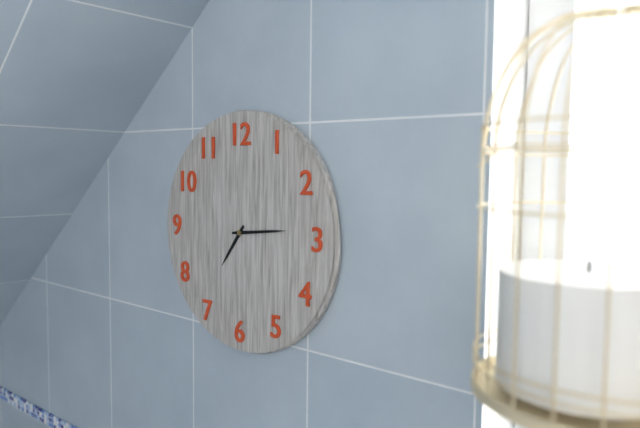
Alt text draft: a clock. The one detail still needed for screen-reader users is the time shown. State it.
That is 7:14
